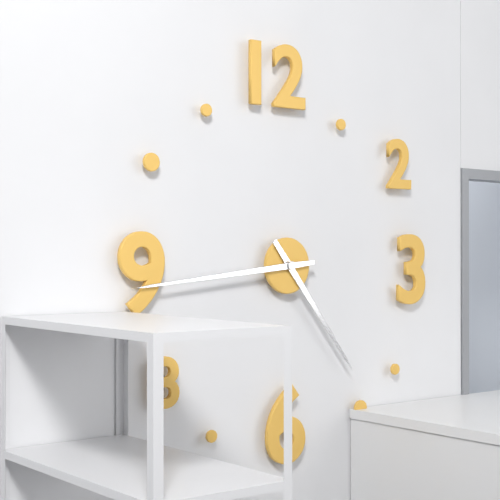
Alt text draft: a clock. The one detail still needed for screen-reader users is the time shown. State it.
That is 4:44
